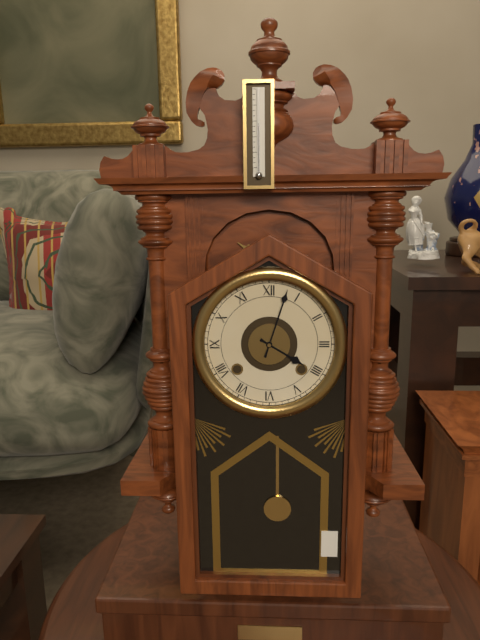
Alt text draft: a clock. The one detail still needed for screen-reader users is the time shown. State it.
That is 4:03
